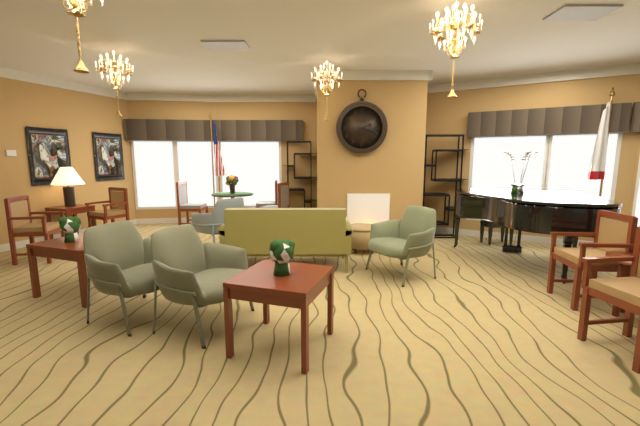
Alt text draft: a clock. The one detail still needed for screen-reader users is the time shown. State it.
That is 2:18
